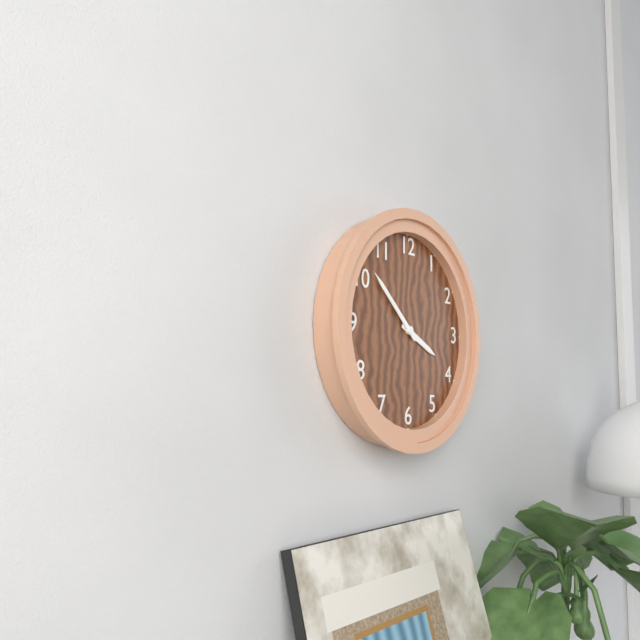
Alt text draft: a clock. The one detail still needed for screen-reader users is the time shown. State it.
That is 3:52
